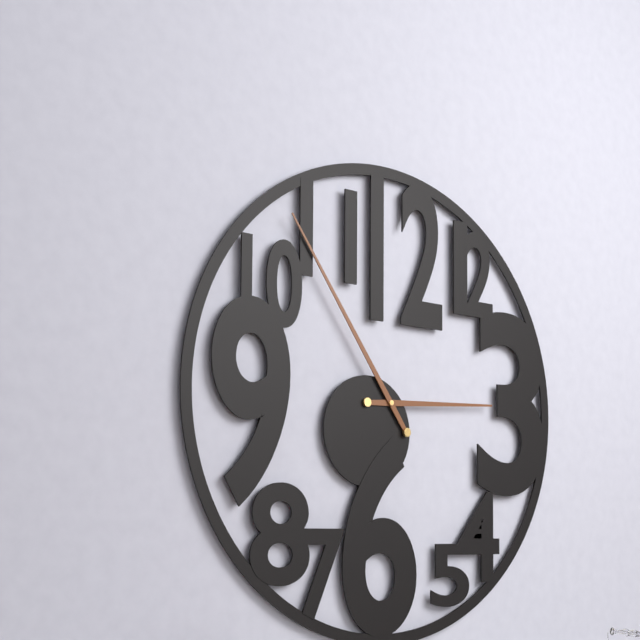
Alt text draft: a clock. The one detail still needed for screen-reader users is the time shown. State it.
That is 2:54
